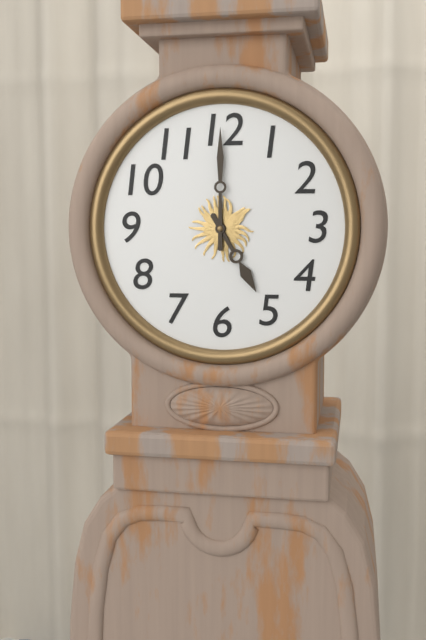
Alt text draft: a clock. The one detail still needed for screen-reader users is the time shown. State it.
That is 5:00
